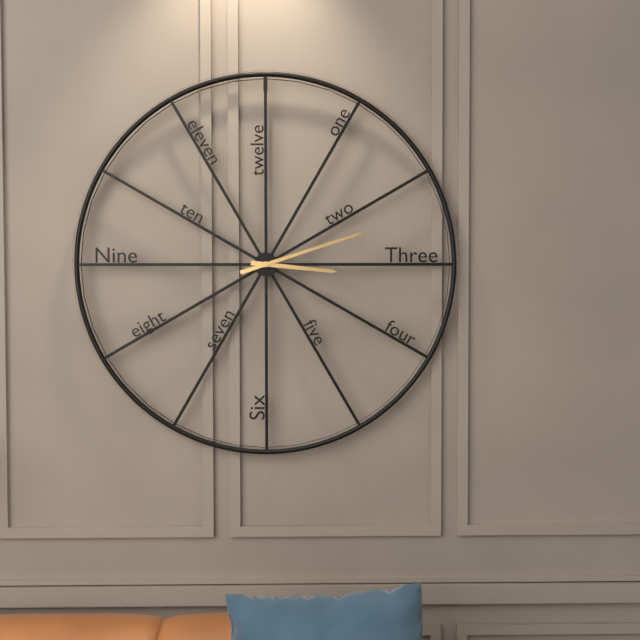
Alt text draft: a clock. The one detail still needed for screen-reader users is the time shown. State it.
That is 3:12
